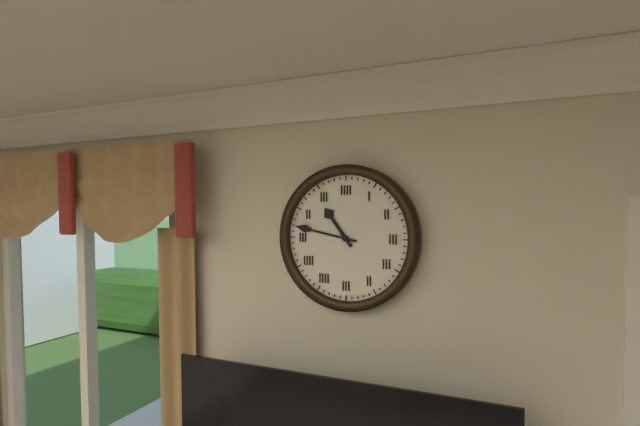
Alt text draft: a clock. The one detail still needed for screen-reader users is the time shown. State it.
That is 10:47
